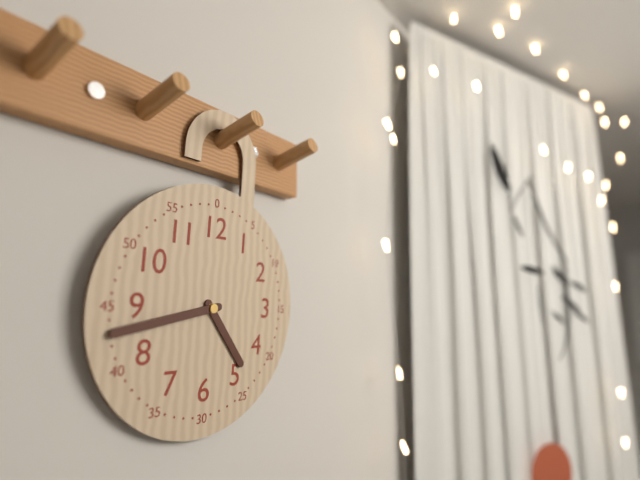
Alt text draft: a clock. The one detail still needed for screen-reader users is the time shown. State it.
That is 4:43
